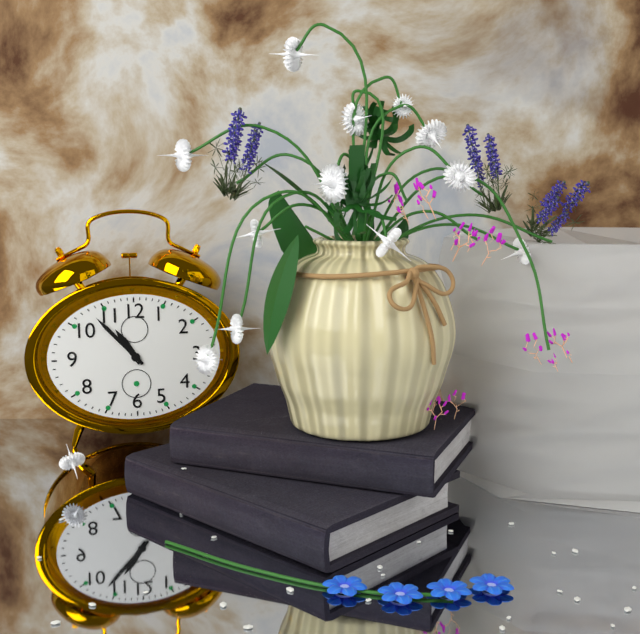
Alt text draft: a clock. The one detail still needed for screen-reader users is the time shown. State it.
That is 10:53
